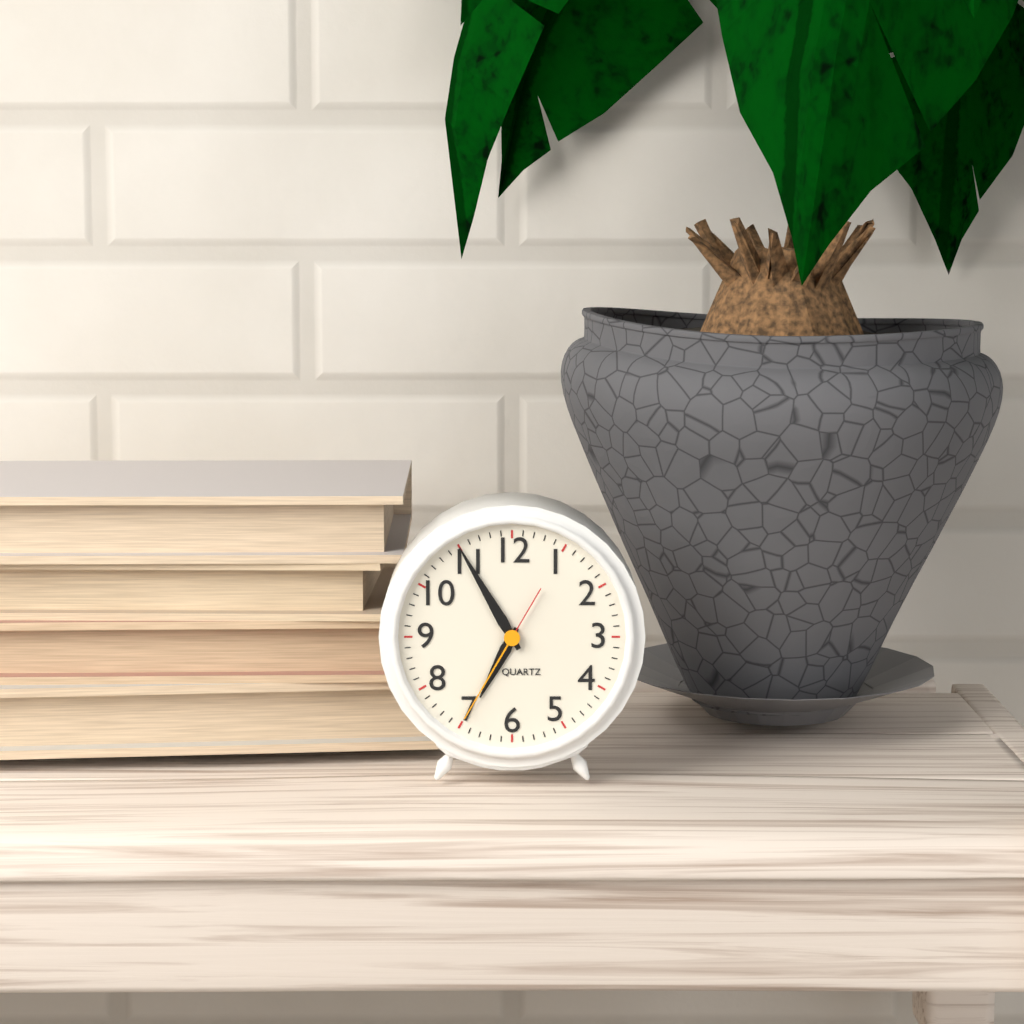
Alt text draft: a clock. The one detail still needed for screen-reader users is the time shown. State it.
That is 6:55:35
